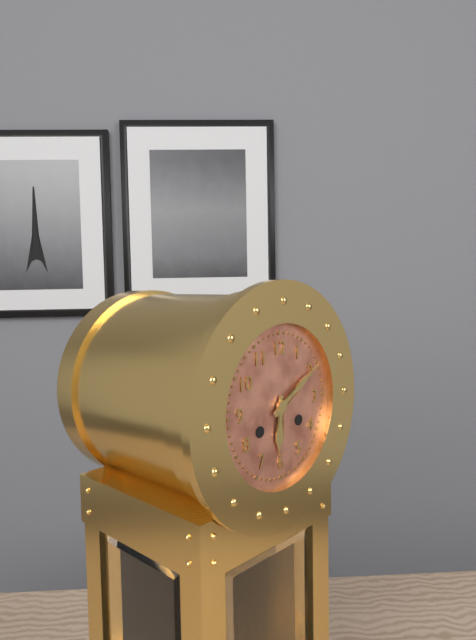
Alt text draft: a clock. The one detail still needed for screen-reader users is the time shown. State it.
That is 6:10
